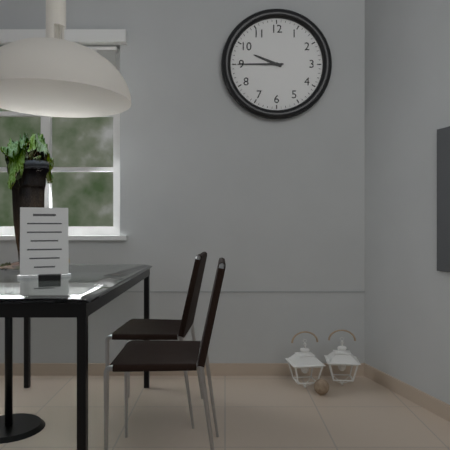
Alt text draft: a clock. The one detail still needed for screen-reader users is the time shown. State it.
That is 9:45
